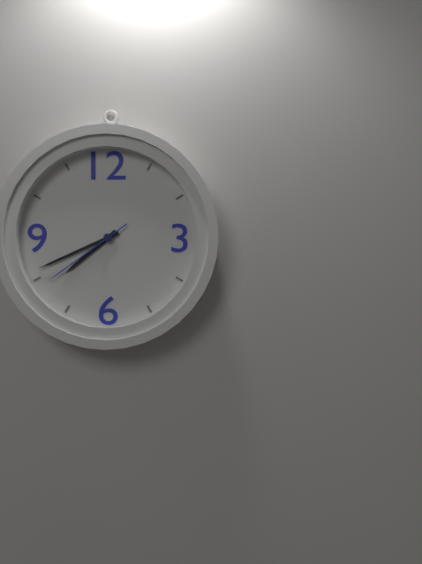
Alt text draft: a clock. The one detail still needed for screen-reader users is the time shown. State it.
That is 7:41:39
